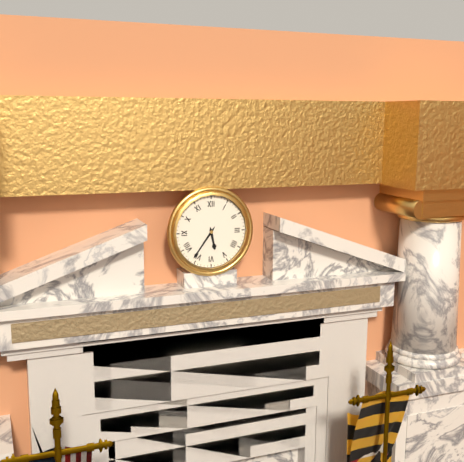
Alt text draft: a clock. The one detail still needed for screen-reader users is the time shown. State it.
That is 5:36
